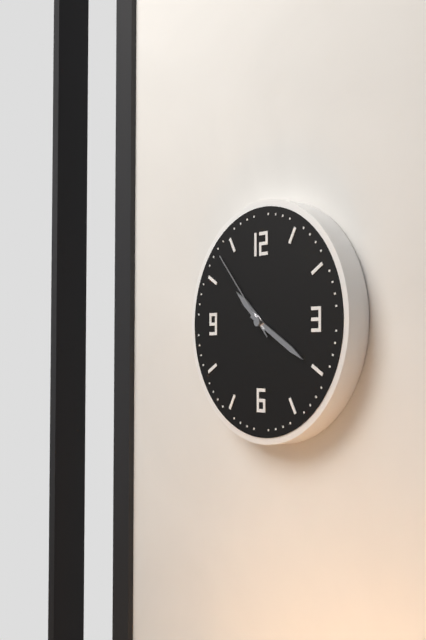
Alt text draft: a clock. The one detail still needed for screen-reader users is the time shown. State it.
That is 10:20:53
